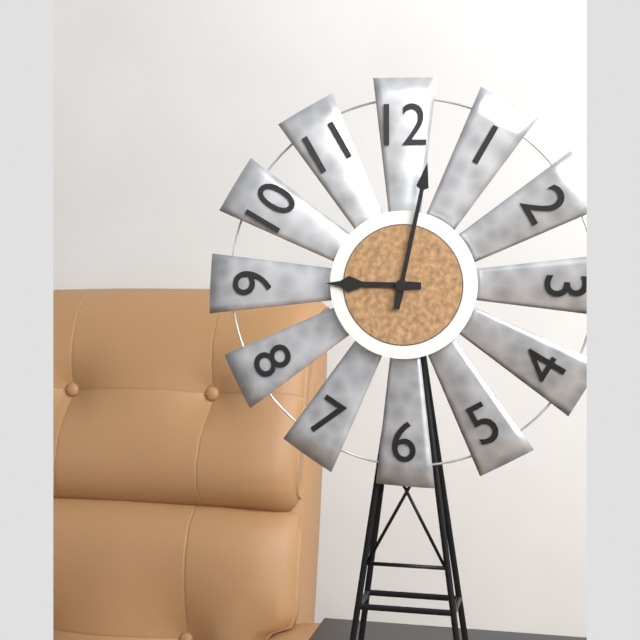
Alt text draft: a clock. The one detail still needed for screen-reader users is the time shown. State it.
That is 9:02
